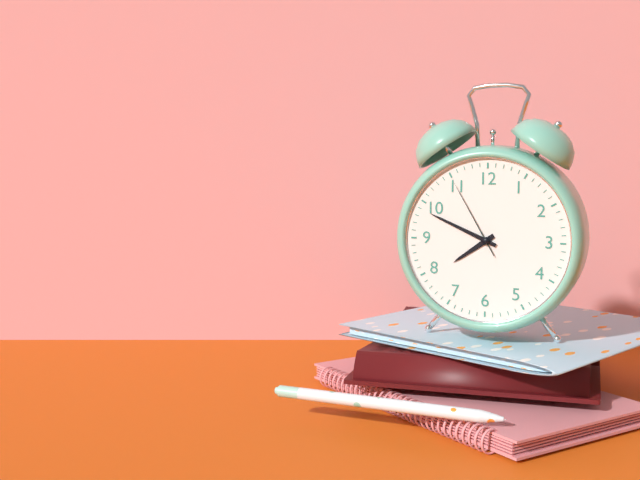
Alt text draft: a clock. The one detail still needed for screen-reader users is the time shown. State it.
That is 7:49:55
